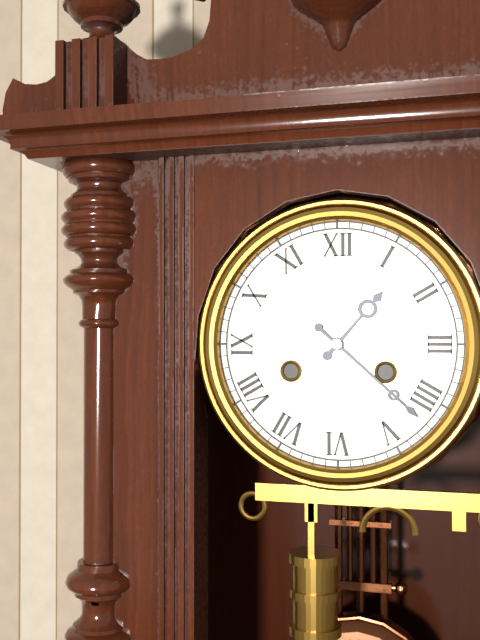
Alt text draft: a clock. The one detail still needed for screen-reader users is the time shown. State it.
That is 1:22
